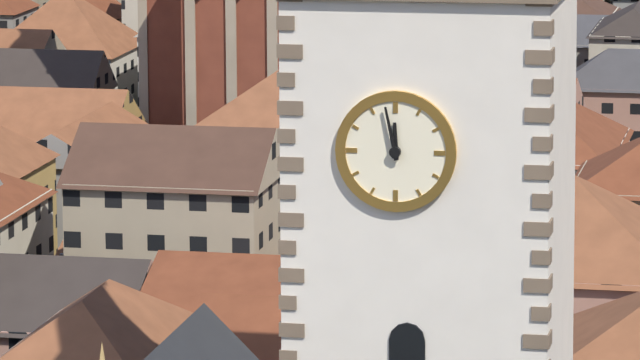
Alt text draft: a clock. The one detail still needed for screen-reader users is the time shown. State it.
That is 11:58
